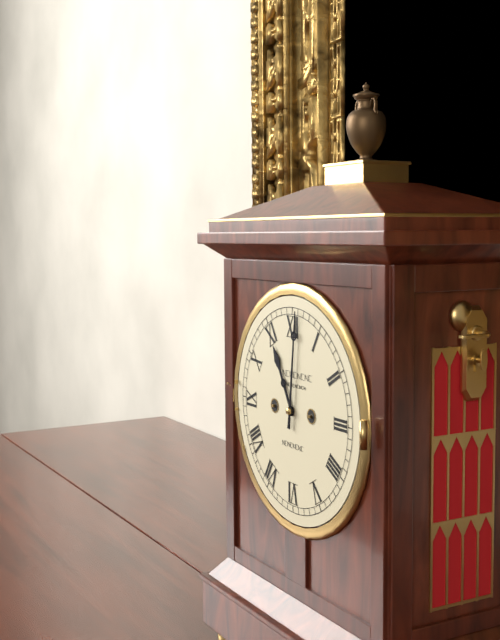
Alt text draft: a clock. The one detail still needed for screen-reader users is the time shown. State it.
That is 11:01
